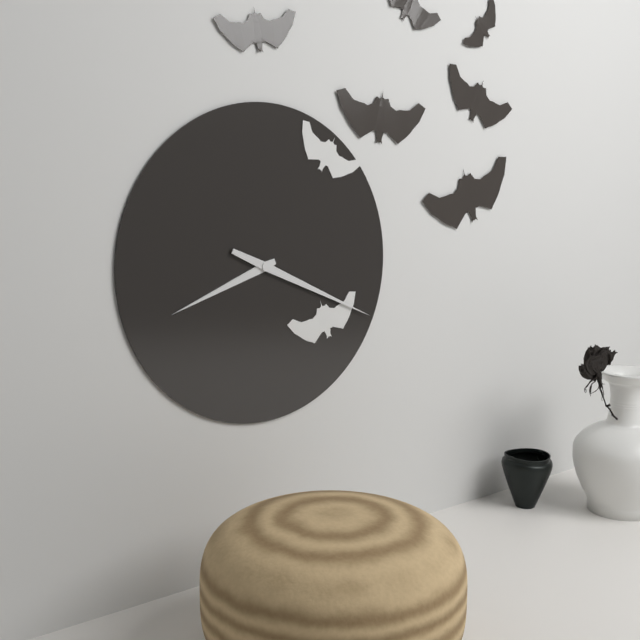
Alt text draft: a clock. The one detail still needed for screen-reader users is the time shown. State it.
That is 8:19
